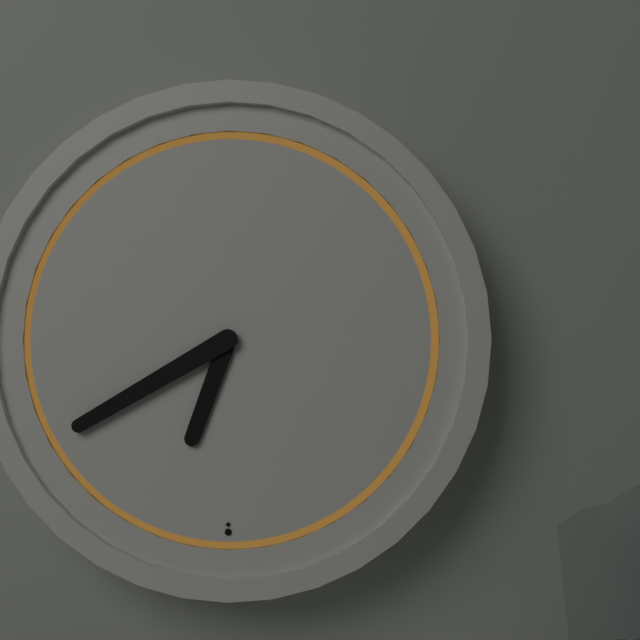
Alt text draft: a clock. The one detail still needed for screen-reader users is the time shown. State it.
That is 6:40
